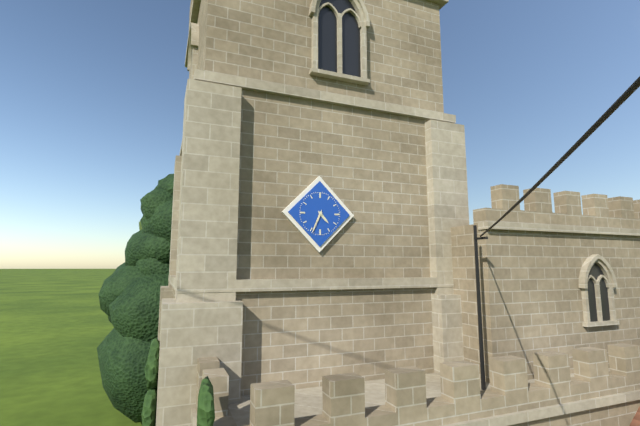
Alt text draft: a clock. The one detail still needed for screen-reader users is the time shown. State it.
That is 4:34
